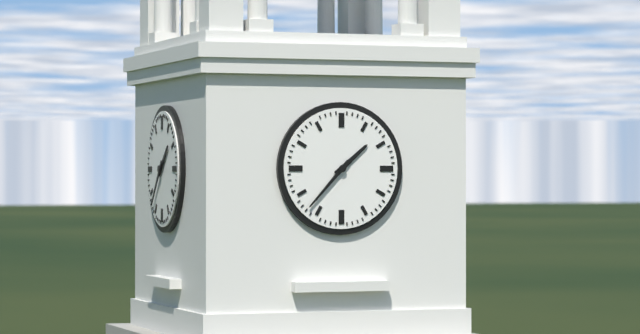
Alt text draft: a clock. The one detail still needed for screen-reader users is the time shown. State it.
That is 1:37
